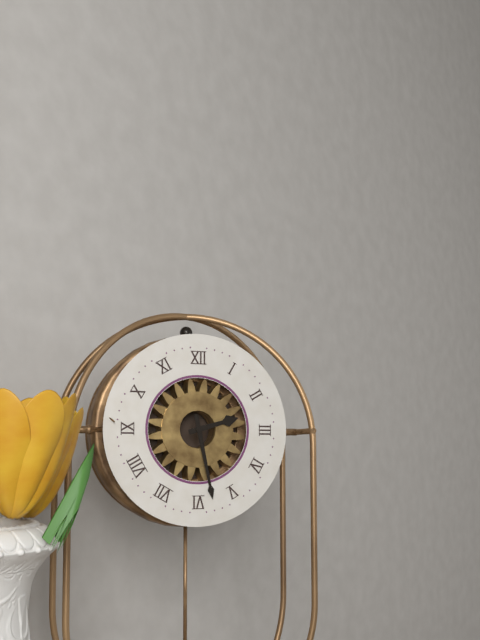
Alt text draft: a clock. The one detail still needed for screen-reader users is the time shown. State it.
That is 2:28
